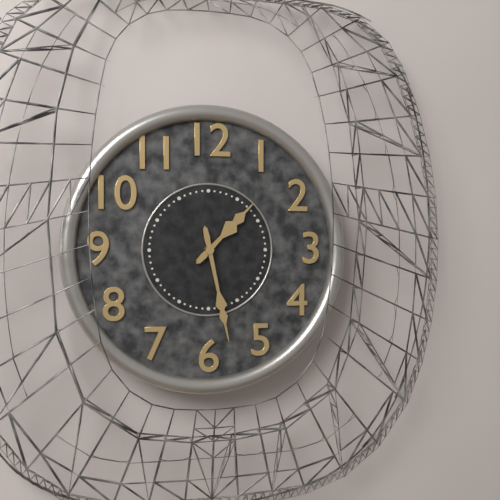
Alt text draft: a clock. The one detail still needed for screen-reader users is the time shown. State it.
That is 1:28
